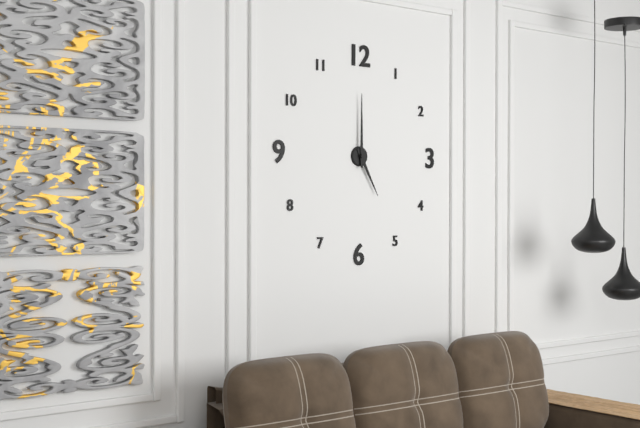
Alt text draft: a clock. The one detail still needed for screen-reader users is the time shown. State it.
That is 5:00
